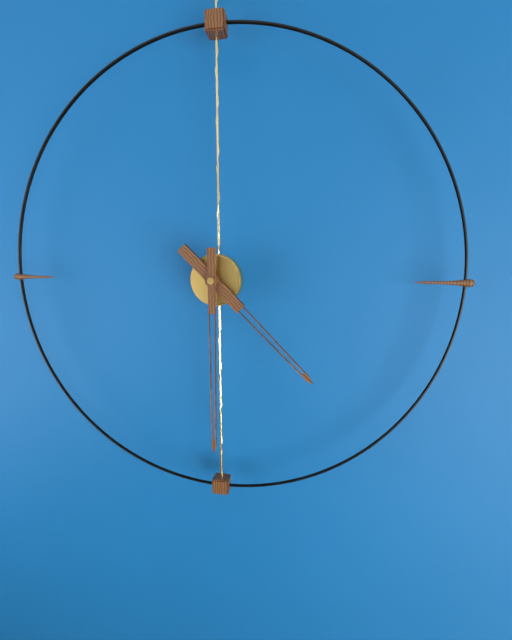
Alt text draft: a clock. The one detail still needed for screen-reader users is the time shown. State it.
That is 4:30
